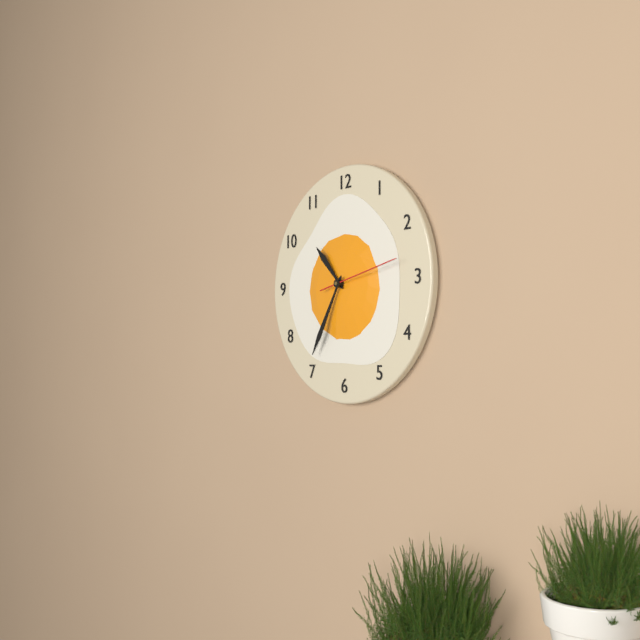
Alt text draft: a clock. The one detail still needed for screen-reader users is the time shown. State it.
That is 10:35:13
